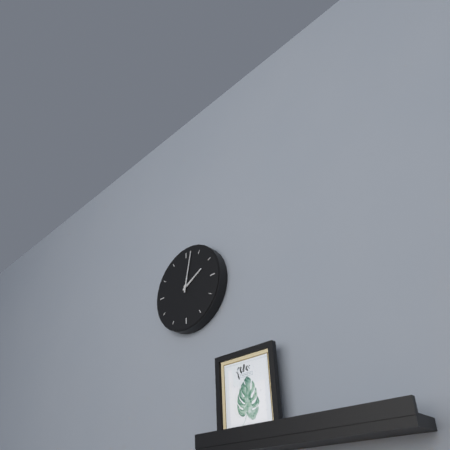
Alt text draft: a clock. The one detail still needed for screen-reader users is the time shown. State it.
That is 2:02
